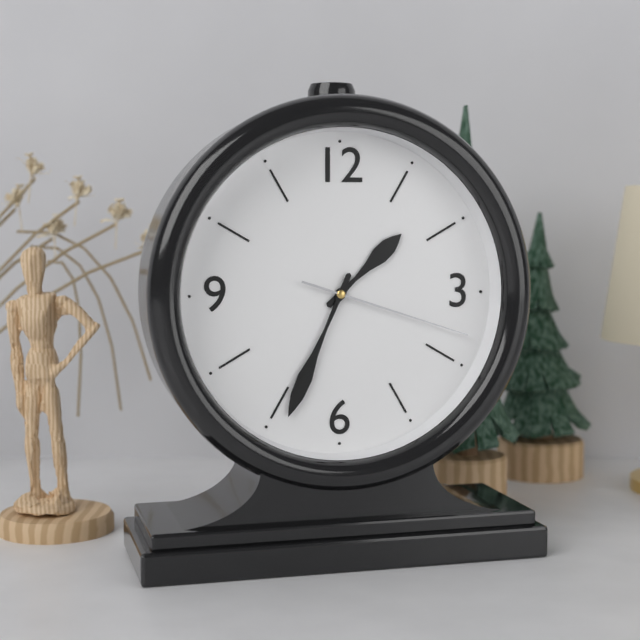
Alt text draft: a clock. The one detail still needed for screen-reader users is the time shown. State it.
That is 1:34:18
